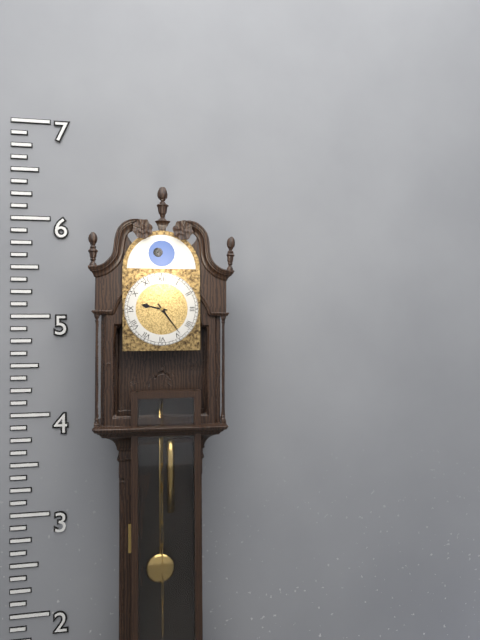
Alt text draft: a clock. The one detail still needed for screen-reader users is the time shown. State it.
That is 9:24
